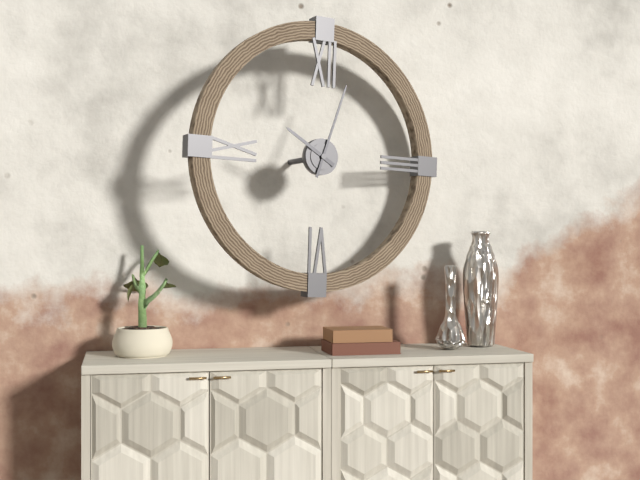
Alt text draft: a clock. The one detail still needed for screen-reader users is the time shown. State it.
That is 10:03
